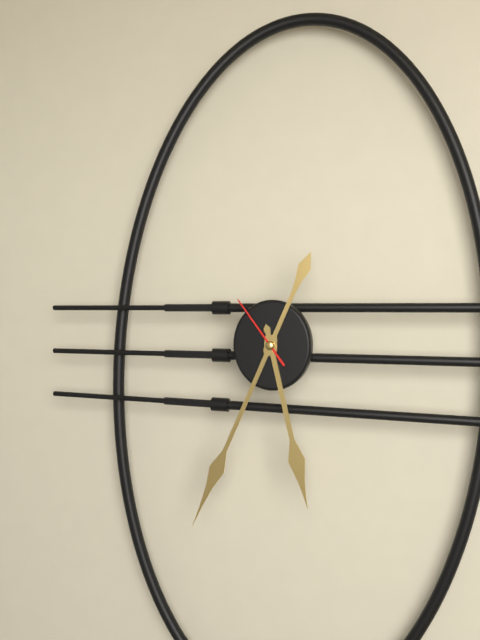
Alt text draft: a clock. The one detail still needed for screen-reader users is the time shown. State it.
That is 5:34:54
